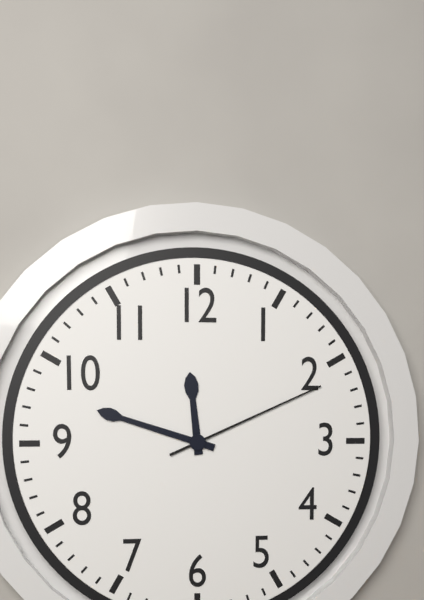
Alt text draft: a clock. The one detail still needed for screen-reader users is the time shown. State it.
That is 11:48:11
